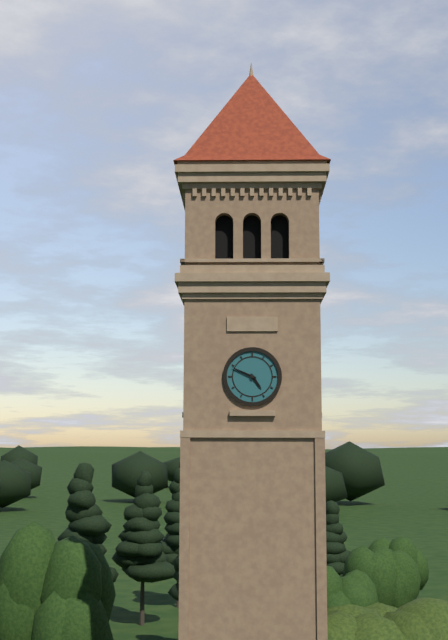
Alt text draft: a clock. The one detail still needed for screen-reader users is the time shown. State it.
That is 4:49
